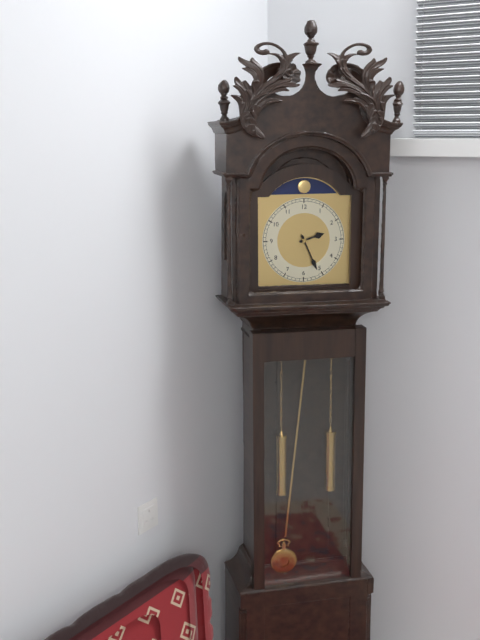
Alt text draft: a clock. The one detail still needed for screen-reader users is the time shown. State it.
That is 2:26
